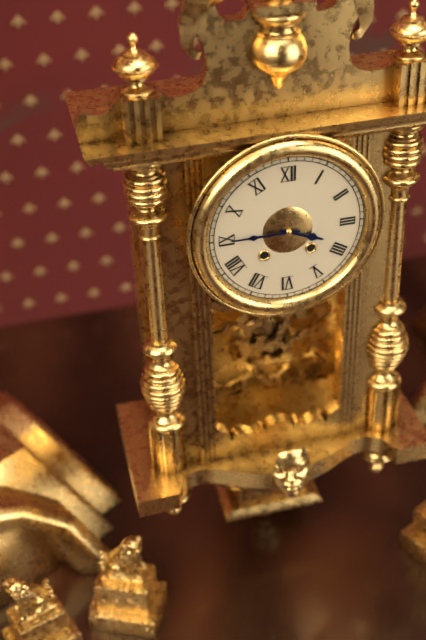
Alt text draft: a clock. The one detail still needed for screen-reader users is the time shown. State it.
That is 3:45
